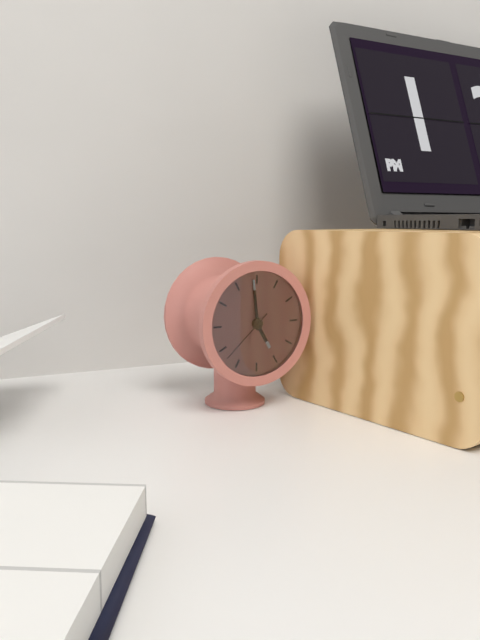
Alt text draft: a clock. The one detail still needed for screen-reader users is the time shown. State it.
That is 4:59:38
